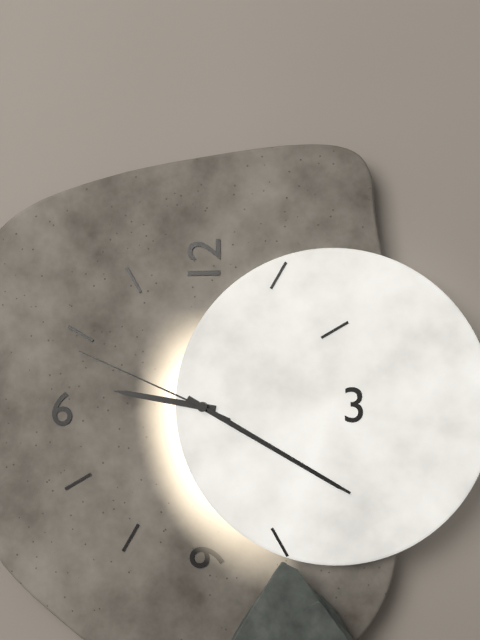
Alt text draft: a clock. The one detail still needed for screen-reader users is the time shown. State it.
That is 9:20:49
